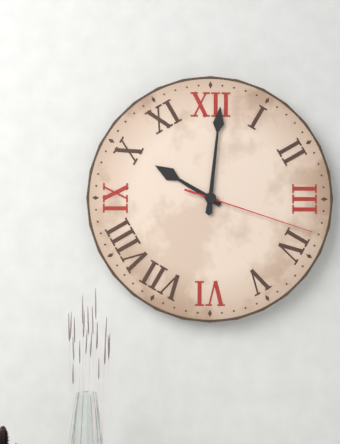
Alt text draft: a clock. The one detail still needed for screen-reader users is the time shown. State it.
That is 10:01:18
